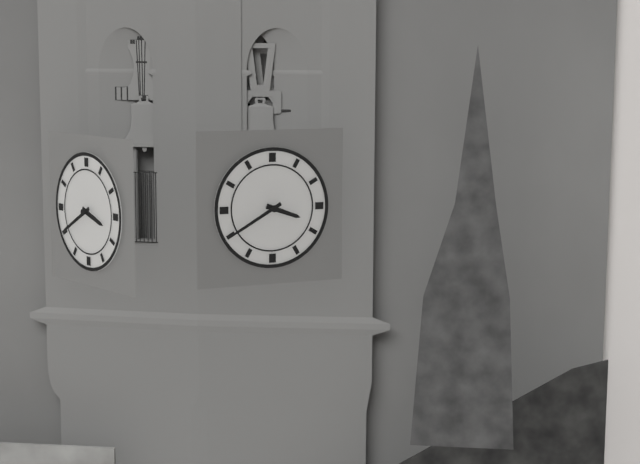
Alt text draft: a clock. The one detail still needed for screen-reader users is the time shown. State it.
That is 3:40
